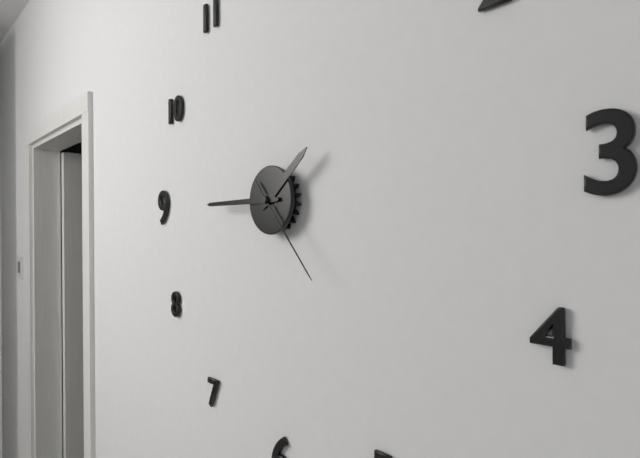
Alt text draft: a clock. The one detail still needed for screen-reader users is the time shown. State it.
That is 1:45:23
